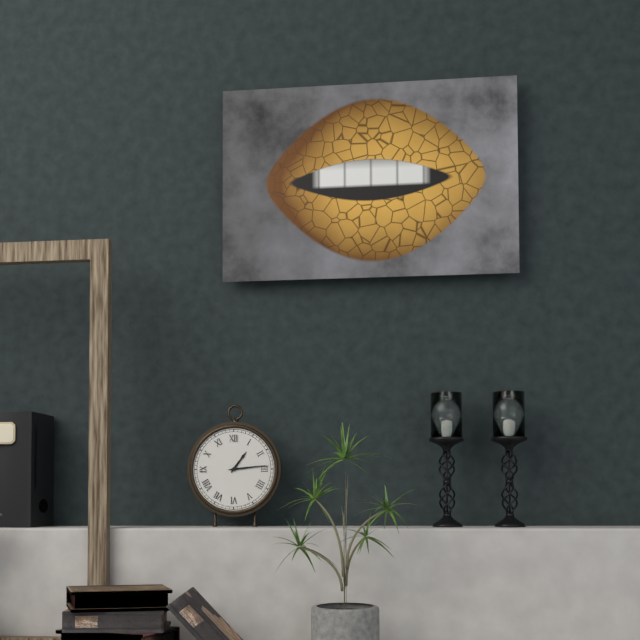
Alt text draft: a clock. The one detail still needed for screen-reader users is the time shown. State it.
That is 1:14
